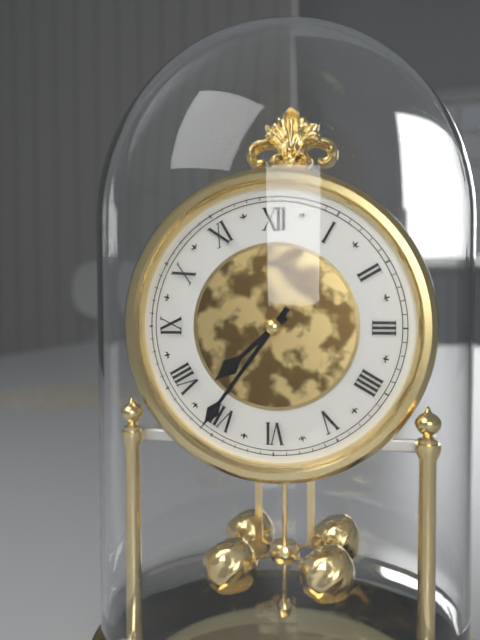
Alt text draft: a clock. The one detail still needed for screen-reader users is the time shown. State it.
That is 7:36
